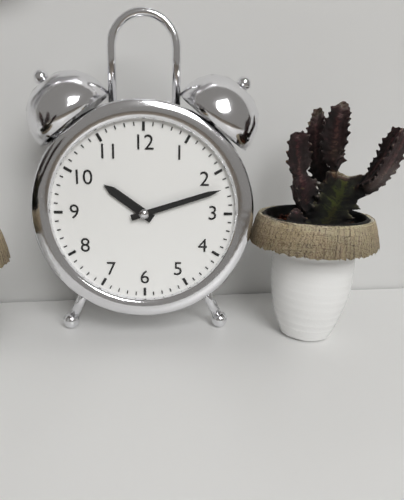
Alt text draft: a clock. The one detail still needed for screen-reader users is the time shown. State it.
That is 10:12
